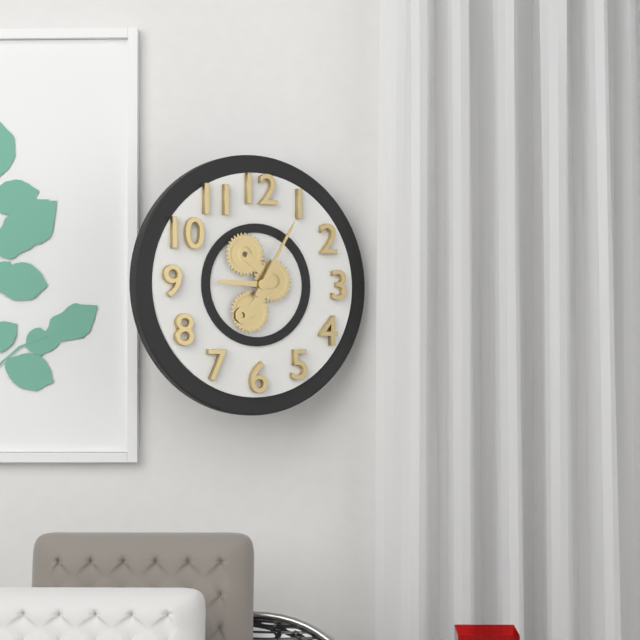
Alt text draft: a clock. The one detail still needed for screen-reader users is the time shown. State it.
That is 9:05
